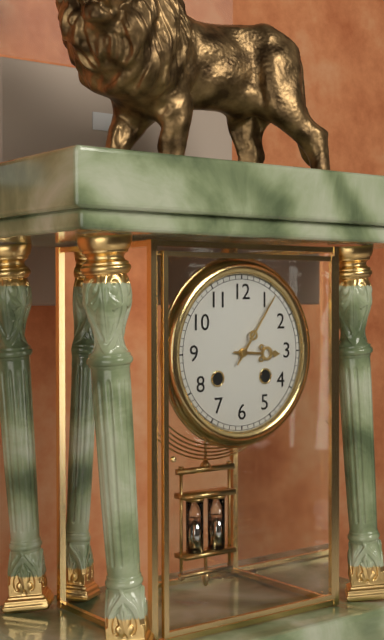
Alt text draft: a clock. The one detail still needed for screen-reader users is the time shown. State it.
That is 3:06
